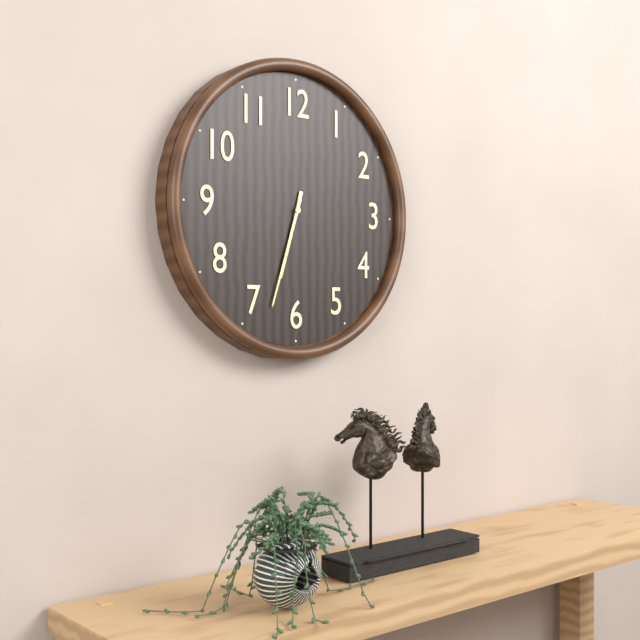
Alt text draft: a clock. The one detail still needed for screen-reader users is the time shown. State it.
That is 6:33
